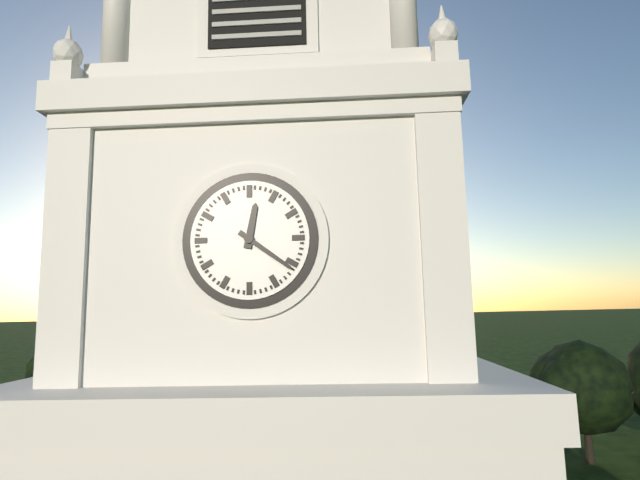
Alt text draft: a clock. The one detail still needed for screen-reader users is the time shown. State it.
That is 12:21
